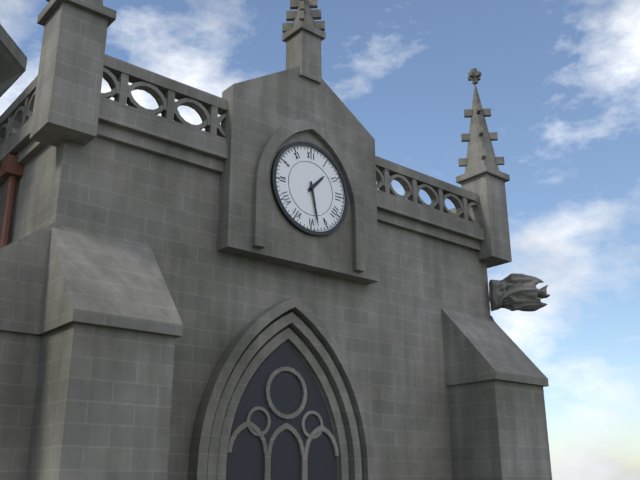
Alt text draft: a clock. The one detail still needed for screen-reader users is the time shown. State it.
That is 1:28
